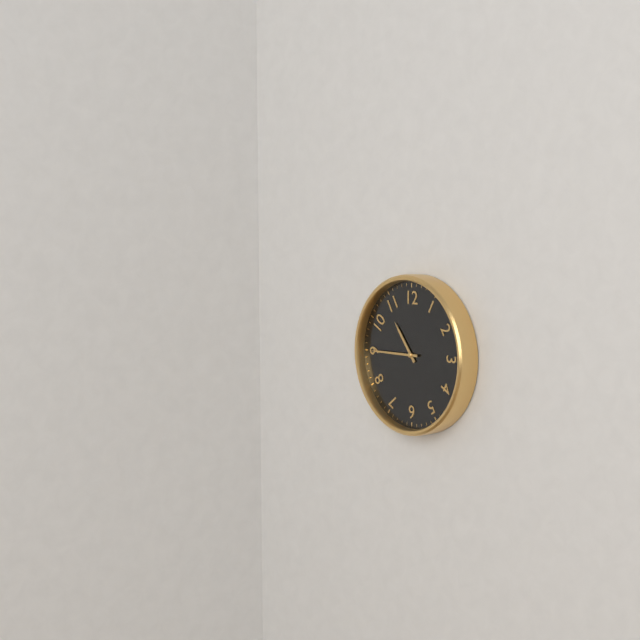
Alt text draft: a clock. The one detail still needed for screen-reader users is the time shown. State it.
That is 10:45
